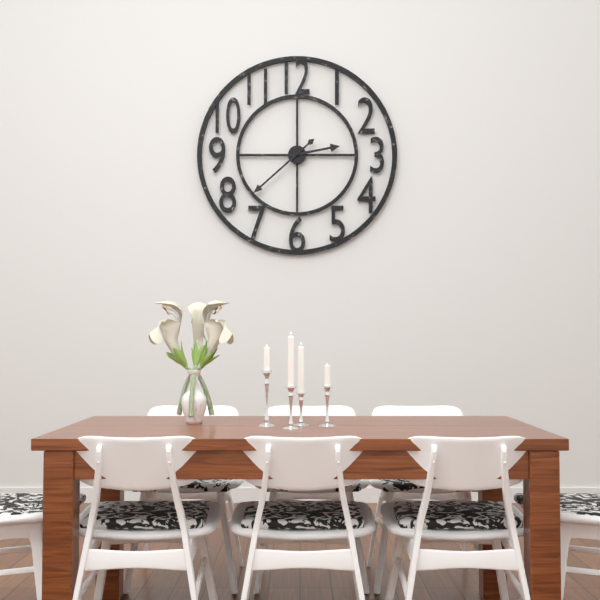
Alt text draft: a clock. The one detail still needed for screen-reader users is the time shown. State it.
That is 2:38
